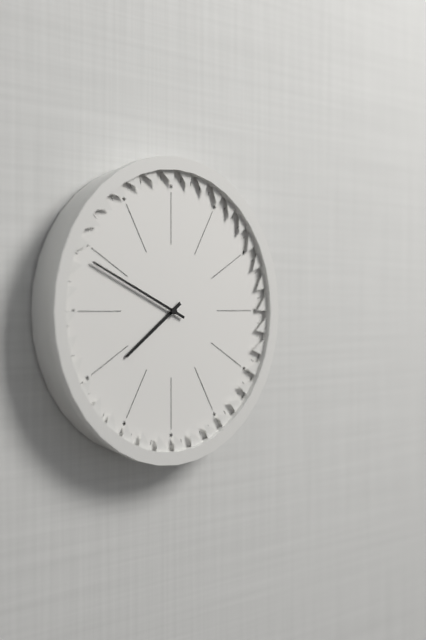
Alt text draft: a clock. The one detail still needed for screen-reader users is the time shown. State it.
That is 7:49
